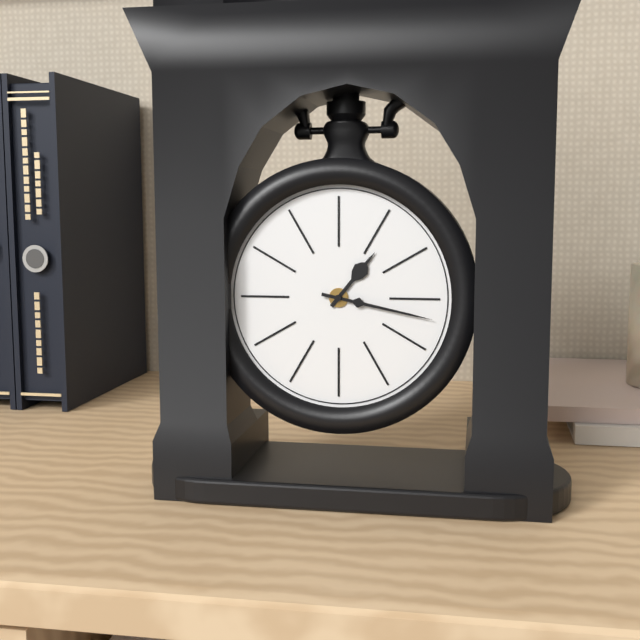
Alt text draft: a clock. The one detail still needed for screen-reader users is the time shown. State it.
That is 1:17
